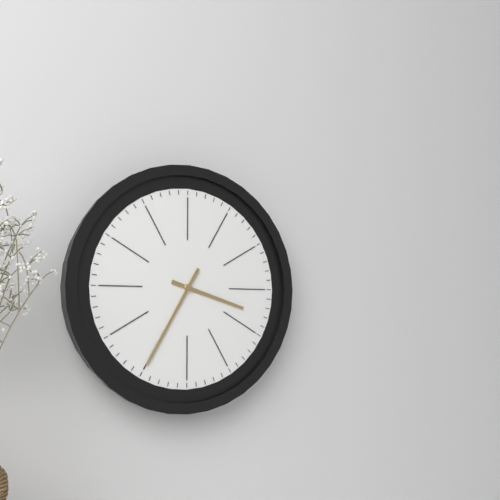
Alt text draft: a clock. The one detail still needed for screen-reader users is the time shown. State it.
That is 3:35
